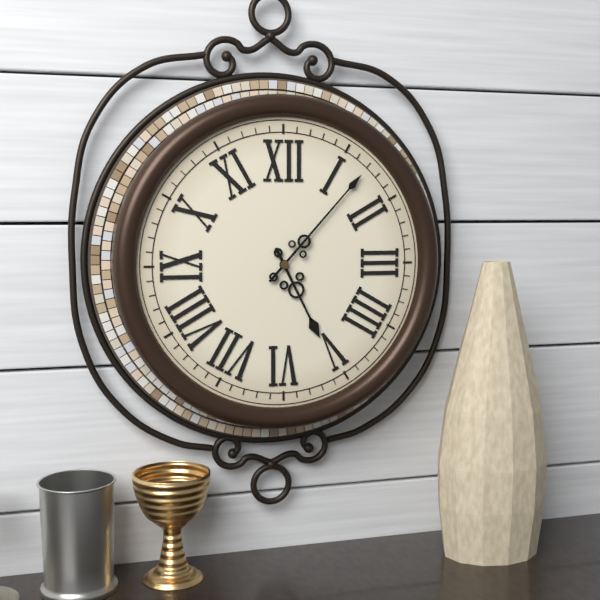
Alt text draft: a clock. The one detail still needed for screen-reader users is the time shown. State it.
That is 5:07
